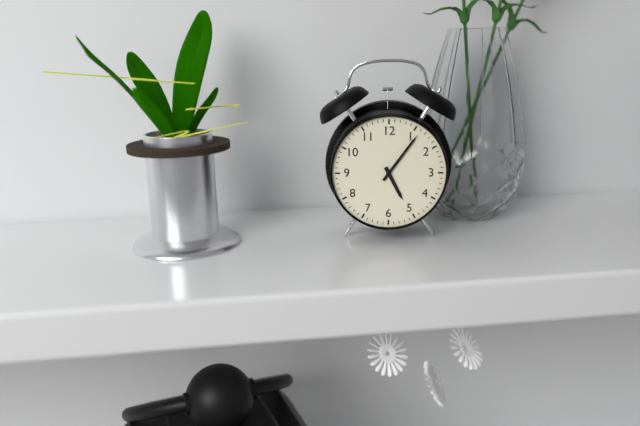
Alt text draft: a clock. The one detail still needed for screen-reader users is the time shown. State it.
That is 5:06
